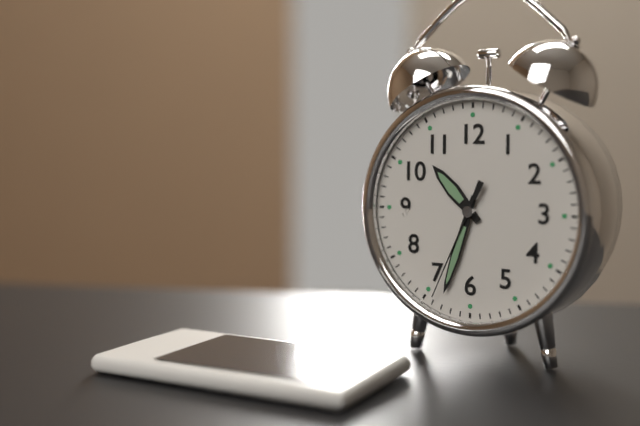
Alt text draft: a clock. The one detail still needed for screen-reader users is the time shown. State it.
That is 10:33:34
